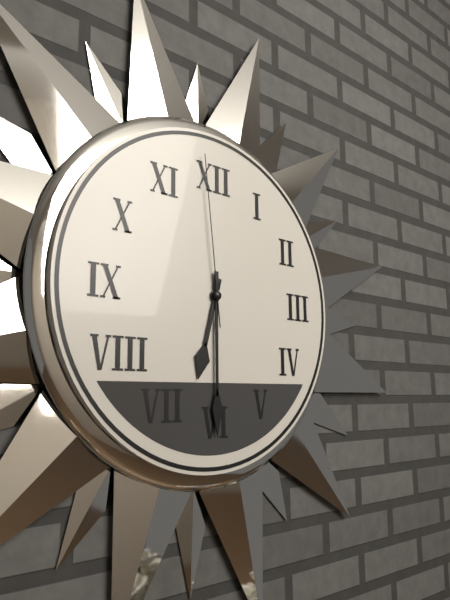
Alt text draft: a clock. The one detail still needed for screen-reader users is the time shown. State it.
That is 6:30:59
